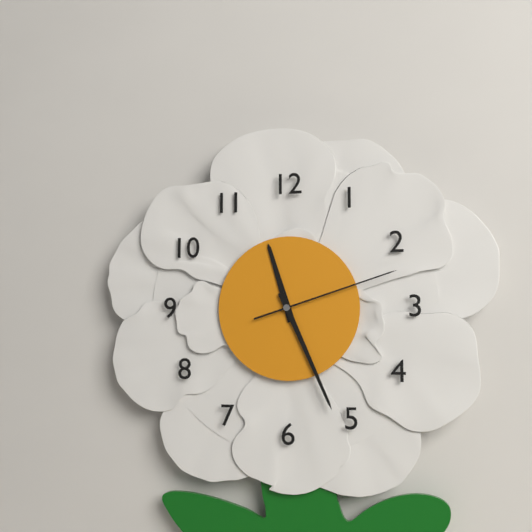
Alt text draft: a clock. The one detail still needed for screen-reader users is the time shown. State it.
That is 11:26:12
